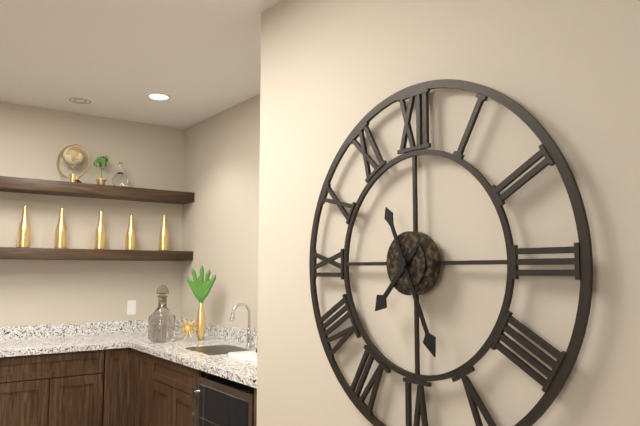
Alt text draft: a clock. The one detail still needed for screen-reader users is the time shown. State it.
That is 7:26
